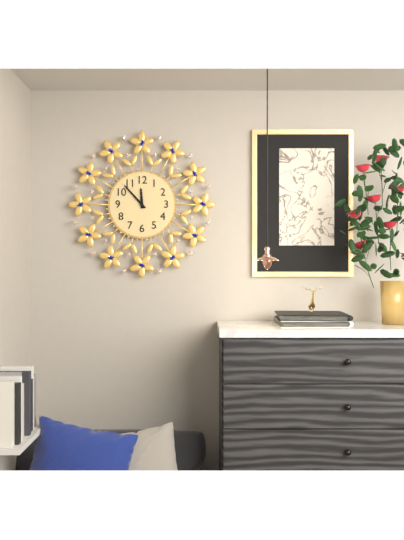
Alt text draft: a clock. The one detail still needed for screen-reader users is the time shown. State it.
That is 11:53
